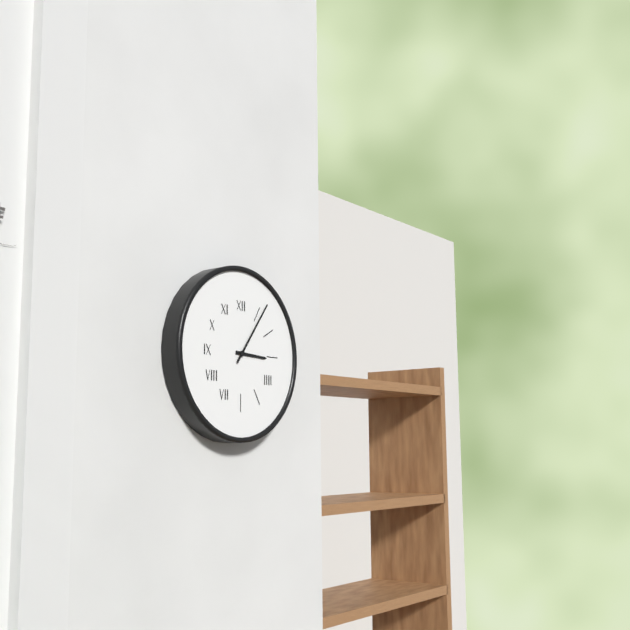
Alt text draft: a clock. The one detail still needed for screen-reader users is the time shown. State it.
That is 3:06
